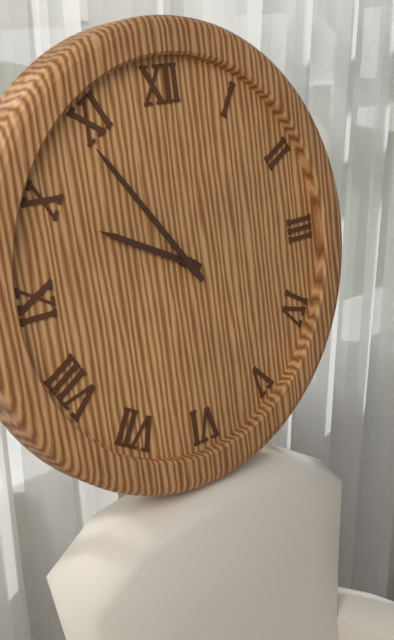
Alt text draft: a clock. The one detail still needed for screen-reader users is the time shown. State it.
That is 9:54
